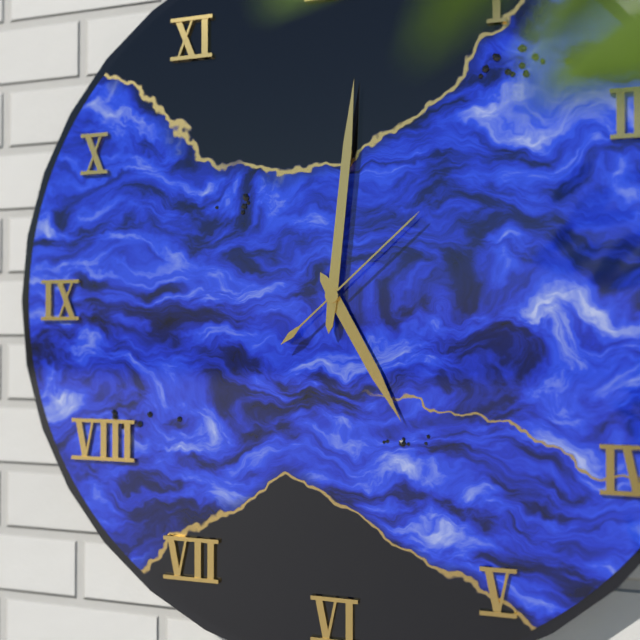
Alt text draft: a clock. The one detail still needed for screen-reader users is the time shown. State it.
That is 5:01:08
